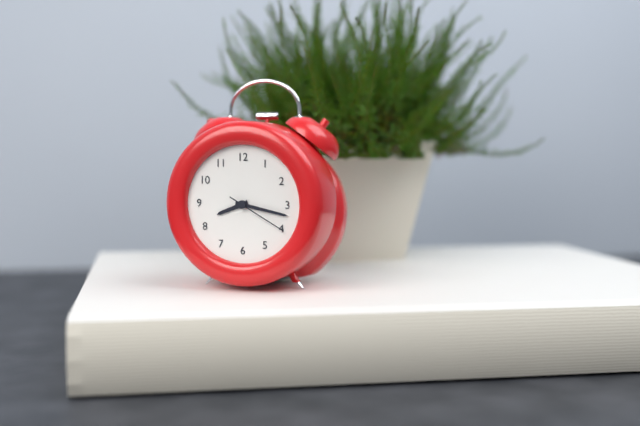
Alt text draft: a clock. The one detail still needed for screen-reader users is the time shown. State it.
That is 8:17:20
